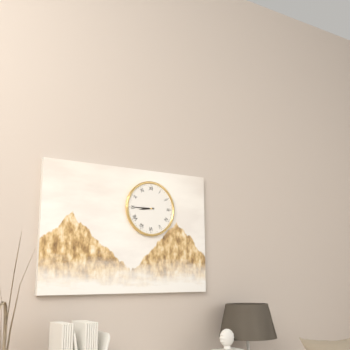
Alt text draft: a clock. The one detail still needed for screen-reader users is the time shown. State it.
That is 8:45
